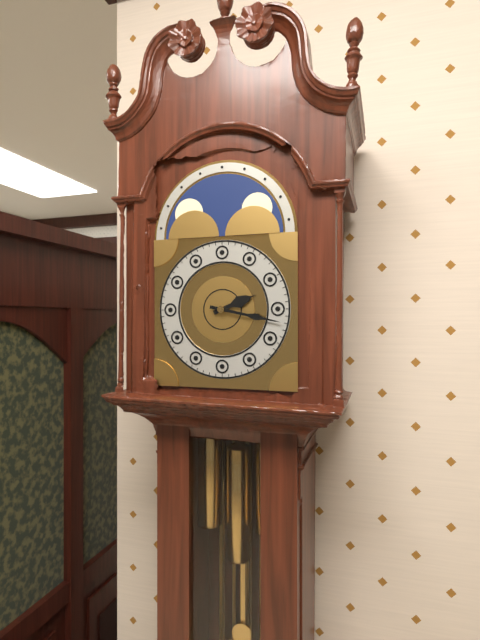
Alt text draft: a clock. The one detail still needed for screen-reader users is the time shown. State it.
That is 2:17
